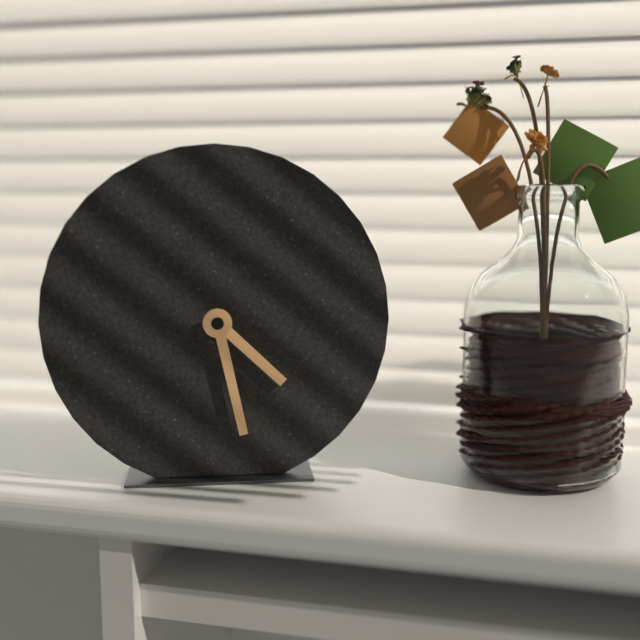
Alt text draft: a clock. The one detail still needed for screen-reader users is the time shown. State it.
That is 4:28
